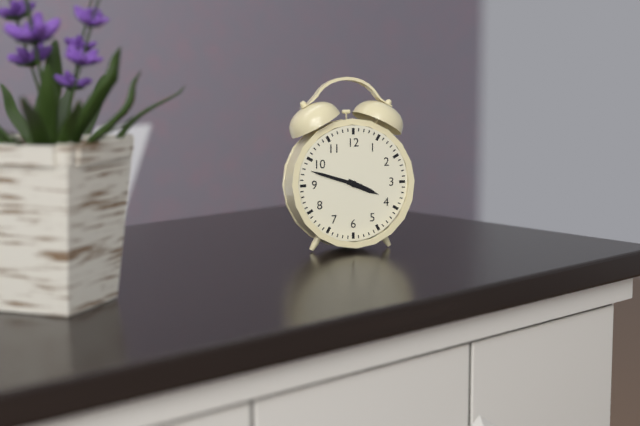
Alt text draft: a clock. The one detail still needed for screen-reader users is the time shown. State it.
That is 3:48
